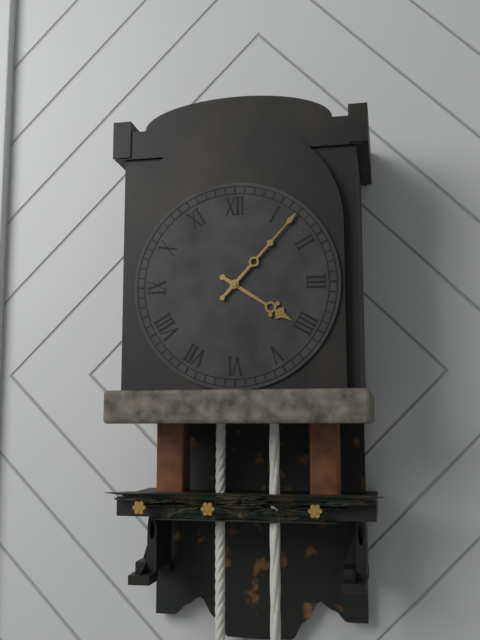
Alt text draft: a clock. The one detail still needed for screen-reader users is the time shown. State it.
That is 4:07
